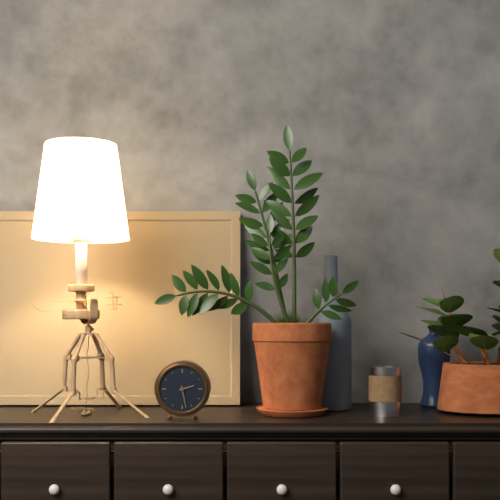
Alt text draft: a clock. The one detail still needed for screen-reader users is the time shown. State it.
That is 2:28
